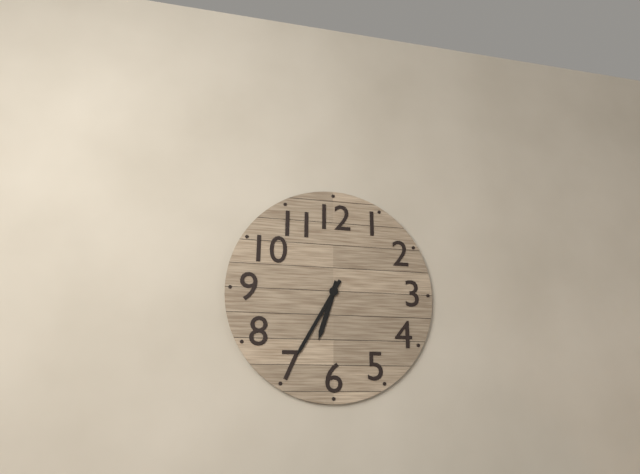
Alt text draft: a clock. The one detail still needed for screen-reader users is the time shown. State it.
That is 6:35
